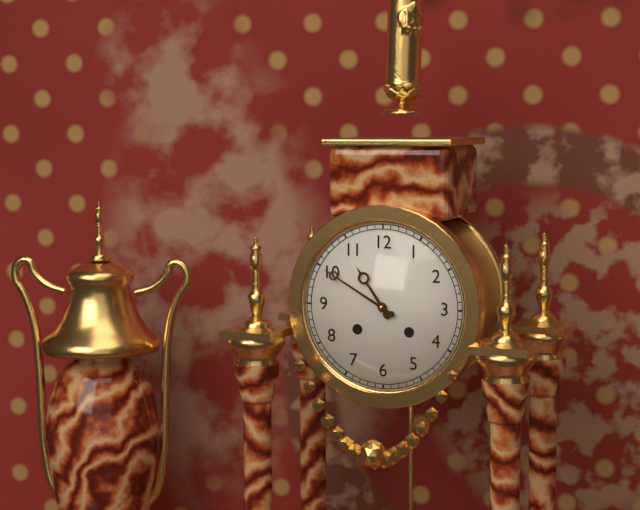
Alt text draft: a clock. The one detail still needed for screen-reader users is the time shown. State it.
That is 10:50
